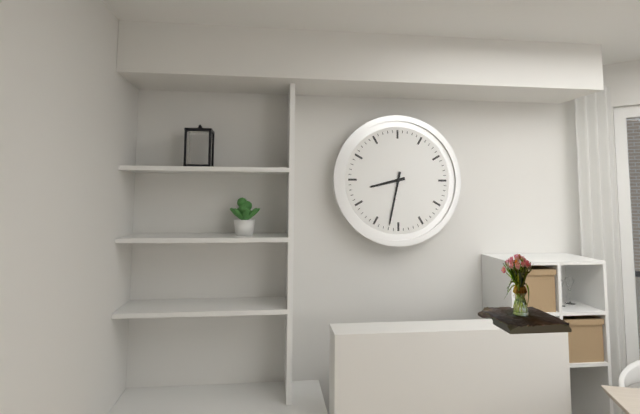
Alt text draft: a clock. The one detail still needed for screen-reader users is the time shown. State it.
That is 8:32
